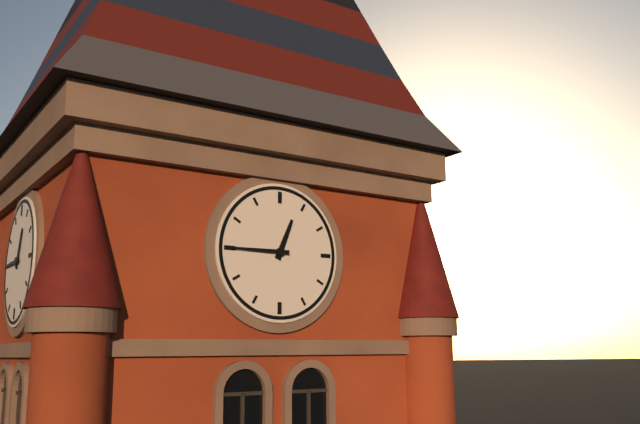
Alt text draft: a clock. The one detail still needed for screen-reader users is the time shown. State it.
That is 12:45
